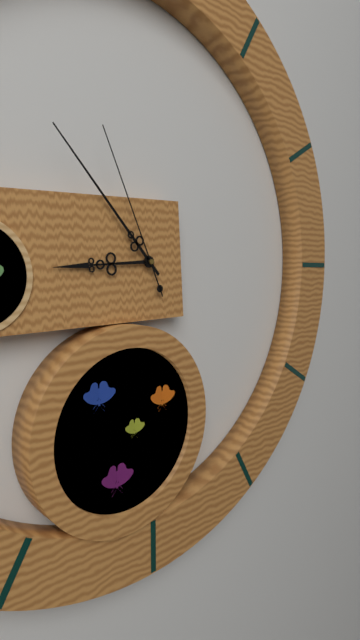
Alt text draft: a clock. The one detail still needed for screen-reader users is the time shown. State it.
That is 8:53:56
